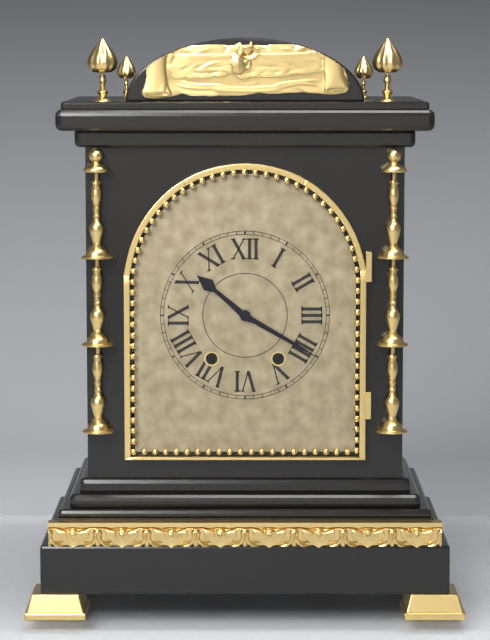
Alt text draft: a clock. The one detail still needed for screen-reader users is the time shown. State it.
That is 10:20
